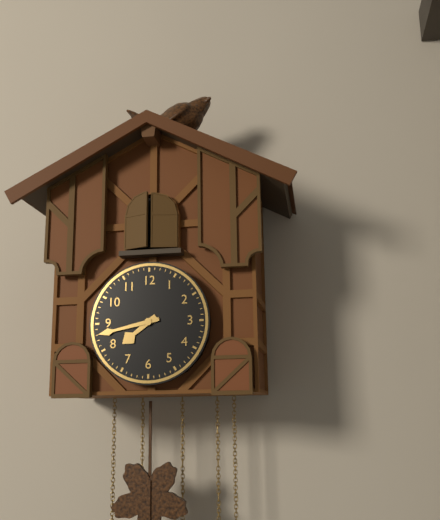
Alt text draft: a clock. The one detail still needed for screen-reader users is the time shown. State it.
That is 7:43
